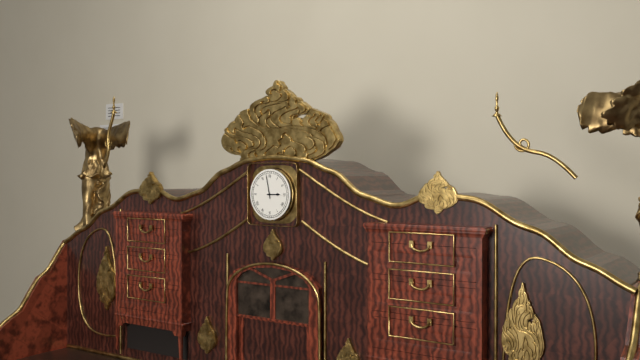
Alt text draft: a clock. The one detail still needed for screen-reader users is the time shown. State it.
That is 2:58
